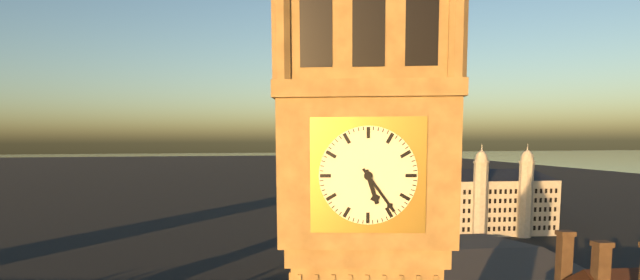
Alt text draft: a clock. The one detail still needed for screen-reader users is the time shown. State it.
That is 5:24
